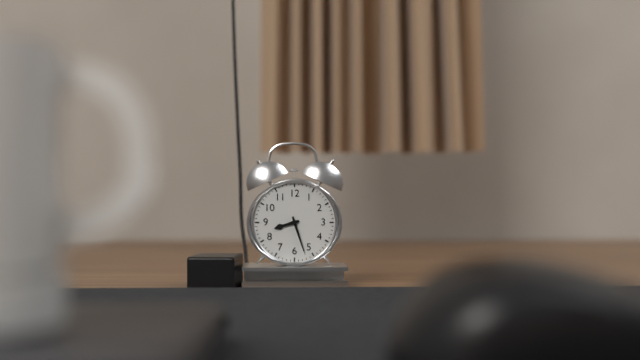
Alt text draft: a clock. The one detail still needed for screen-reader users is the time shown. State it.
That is 8:27
